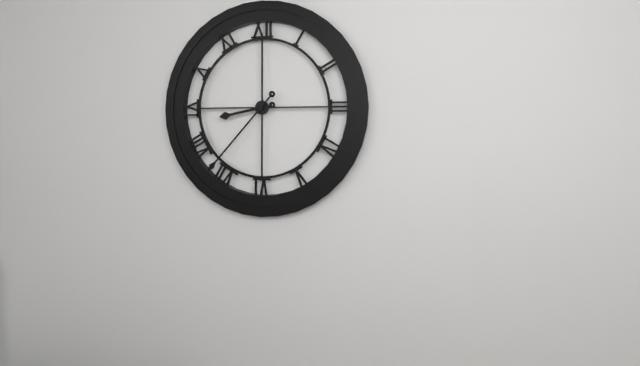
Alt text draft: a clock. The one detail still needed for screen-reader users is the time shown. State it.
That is 8:37
